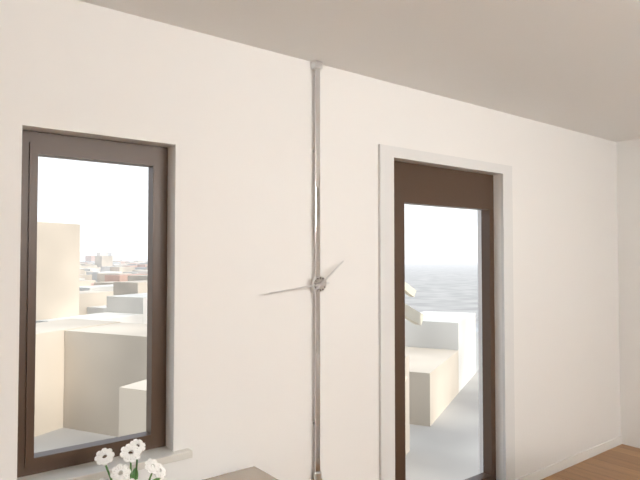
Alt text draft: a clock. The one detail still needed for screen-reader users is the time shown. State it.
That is 1:44
